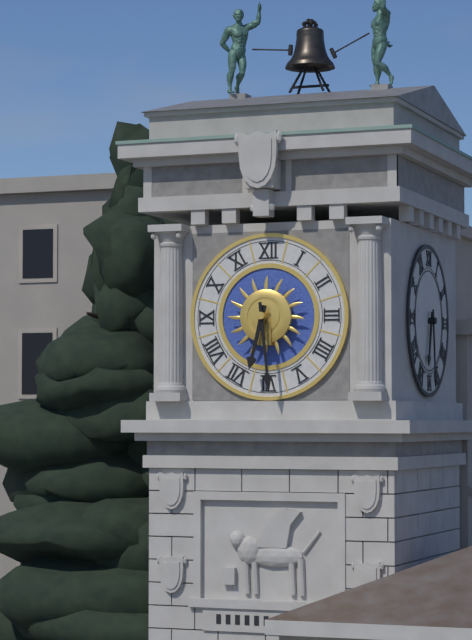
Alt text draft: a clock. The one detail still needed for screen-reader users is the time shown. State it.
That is 6:29
